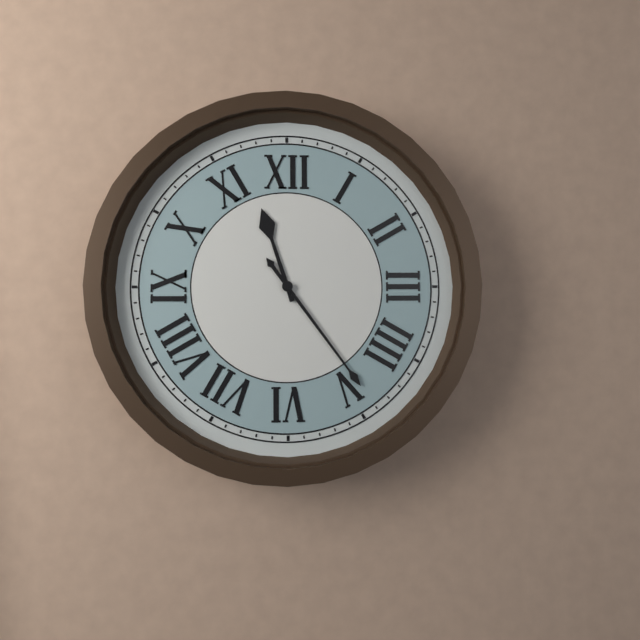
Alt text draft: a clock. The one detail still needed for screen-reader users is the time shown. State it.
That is 11:24
